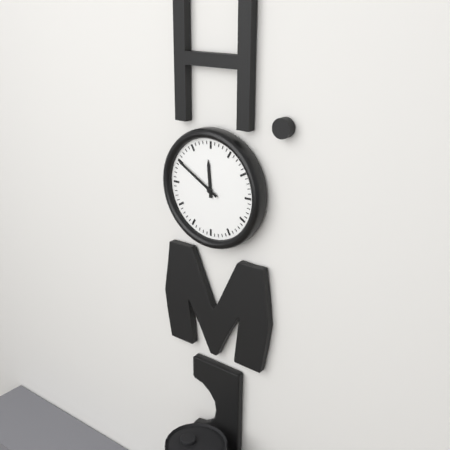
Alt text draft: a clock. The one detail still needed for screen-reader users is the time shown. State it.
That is 11:50
